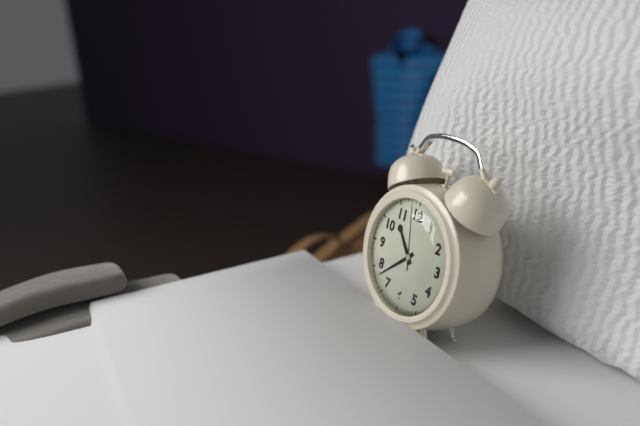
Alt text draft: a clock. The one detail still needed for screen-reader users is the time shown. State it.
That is 10:38:58
